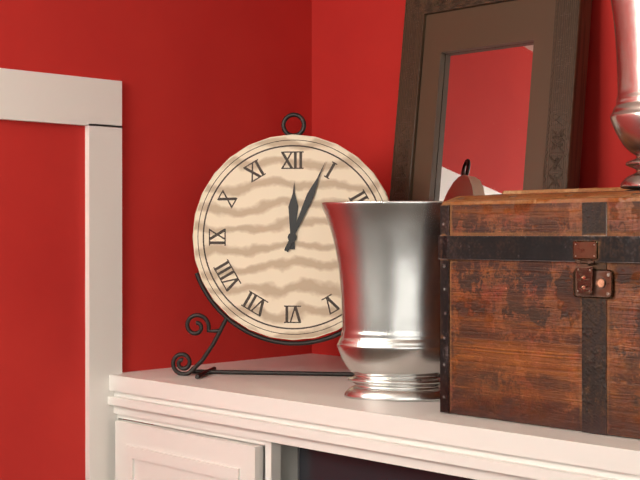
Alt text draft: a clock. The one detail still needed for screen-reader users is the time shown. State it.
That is 12:04
